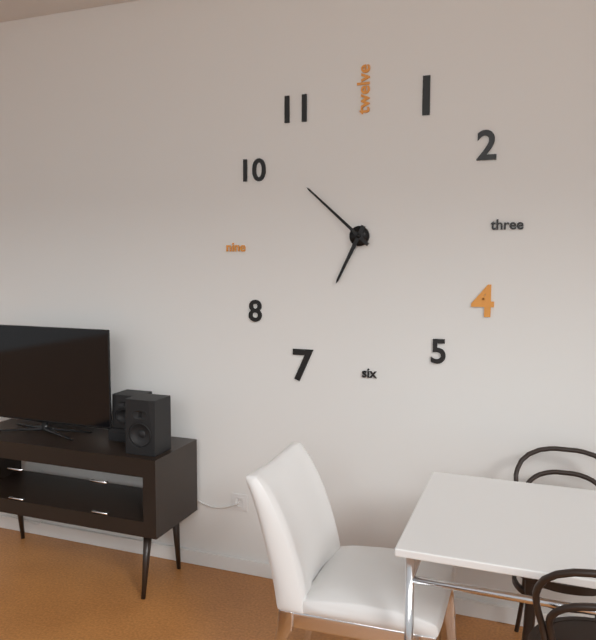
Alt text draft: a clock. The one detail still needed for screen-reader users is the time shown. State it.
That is 6:52
